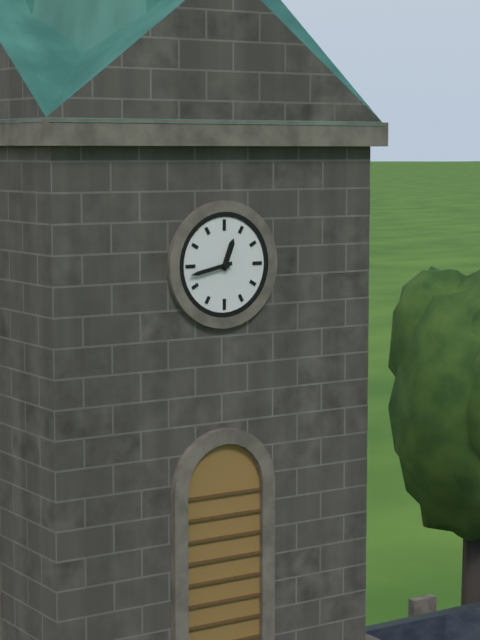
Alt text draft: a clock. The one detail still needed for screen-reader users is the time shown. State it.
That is 12:43
